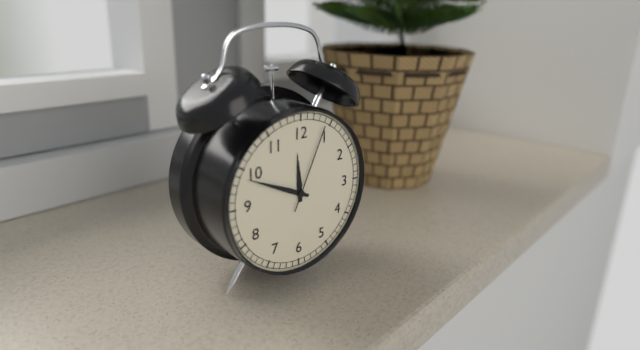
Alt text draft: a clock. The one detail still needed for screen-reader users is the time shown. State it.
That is 11:49:04
